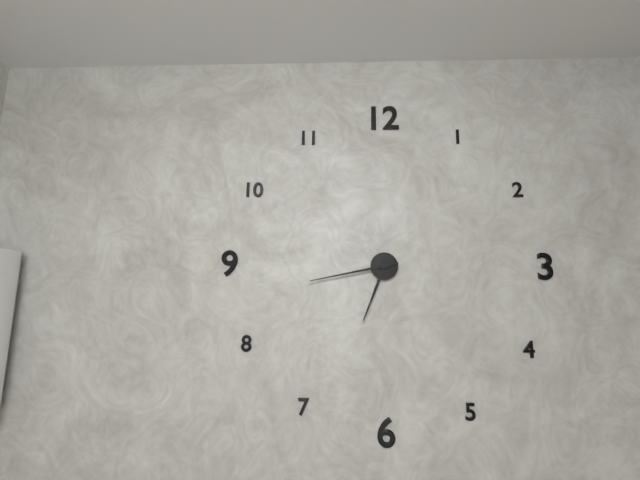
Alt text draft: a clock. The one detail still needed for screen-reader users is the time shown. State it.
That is 6:43
